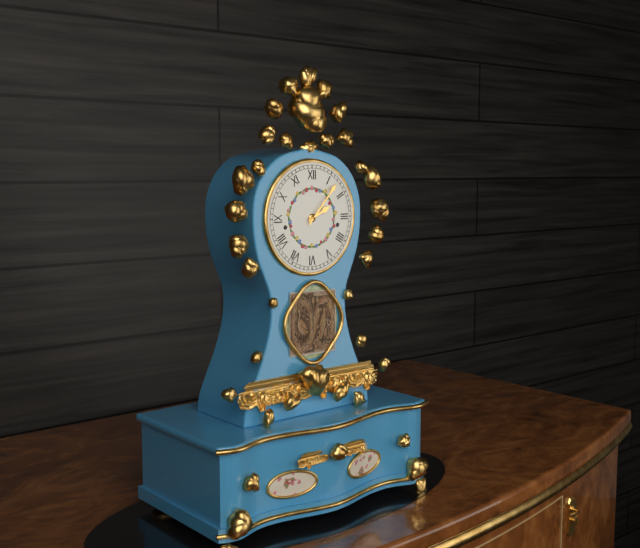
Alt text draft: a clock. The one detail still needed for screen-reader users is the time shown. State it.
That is 2:07
